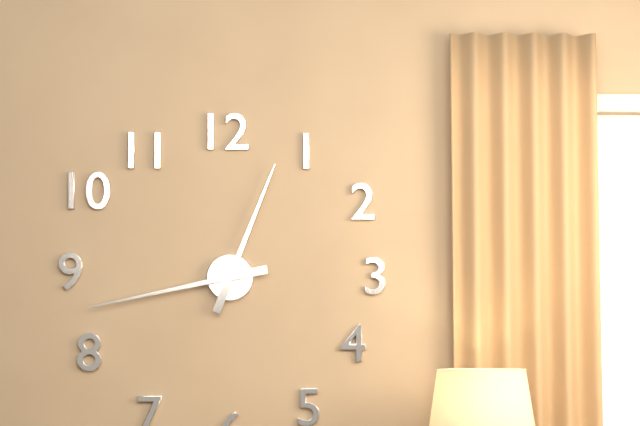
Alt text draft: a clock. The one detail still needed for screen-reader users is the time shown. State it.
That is 12:43
